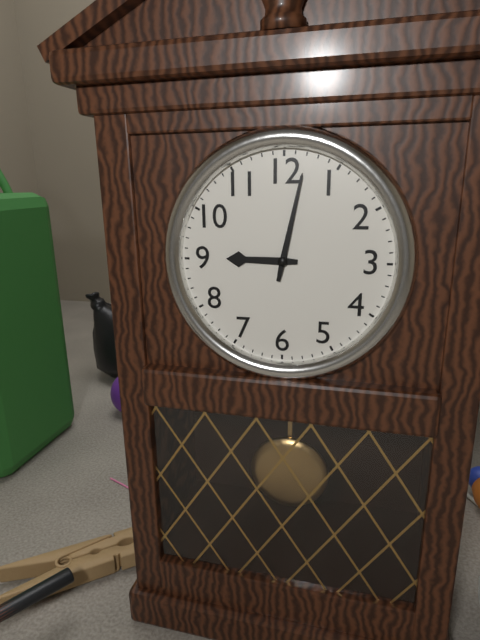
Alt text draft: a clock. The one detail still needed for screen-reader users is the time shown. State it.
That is 9:02
